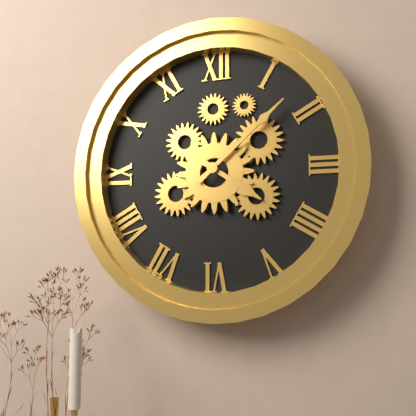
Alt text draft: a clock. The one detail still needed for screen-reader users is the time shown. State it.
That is 4:08
